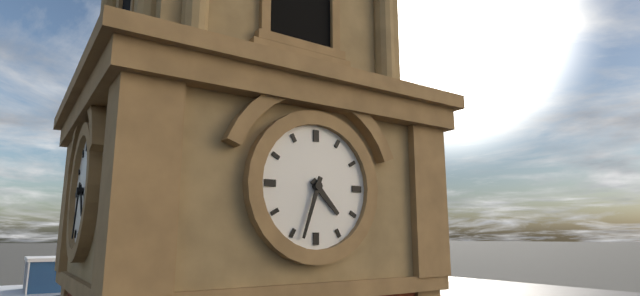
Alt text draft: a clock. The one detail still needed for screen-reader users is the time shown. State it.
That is 4:33
